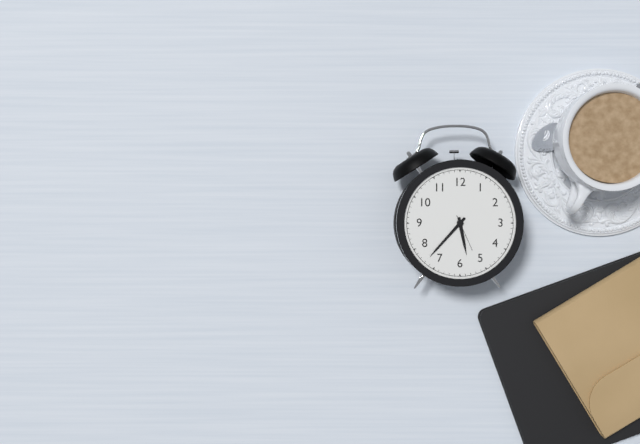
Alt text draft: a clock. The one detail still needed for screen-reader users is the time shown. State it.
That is 5:37
